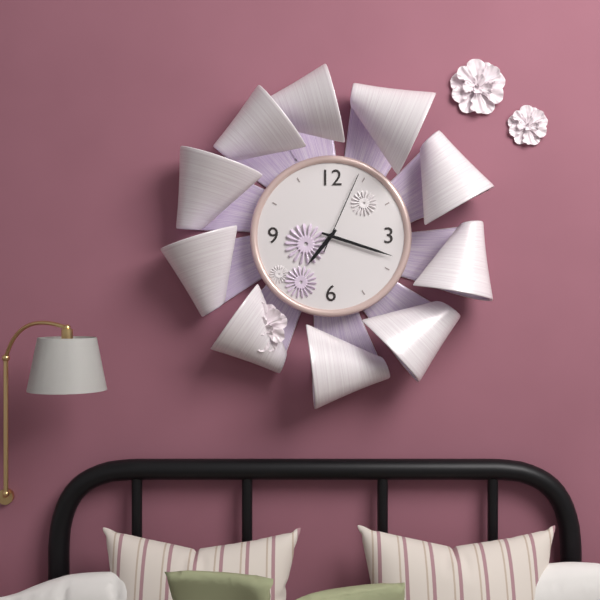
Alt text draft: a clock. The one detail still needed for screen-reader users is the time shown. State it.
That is 7:18:04
